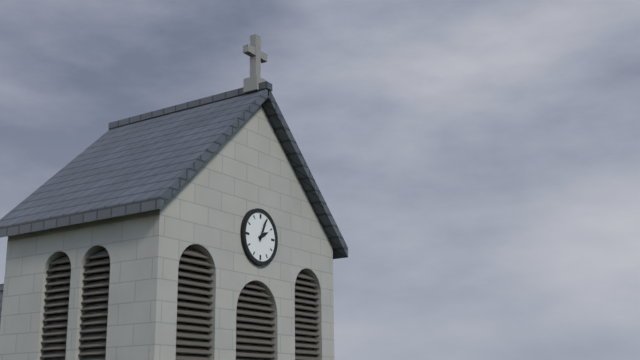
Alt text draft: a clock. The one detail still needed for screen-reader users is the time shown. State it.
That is 2:04
